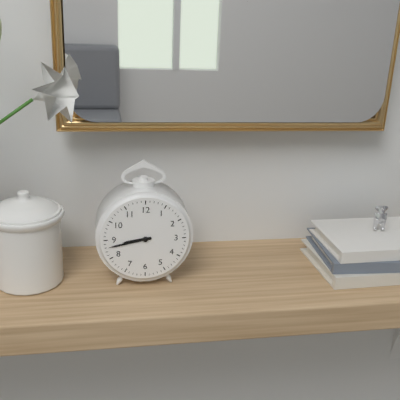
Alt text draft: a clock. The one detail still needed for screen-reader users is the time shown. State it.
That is 8:43
